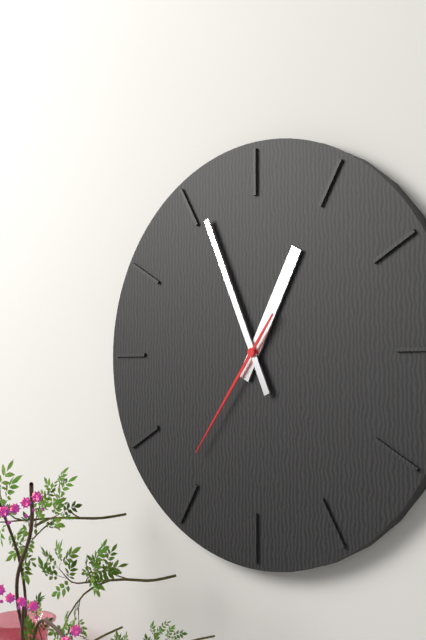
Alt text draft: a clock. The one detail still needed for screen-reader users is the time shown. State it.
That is 12:56:36
